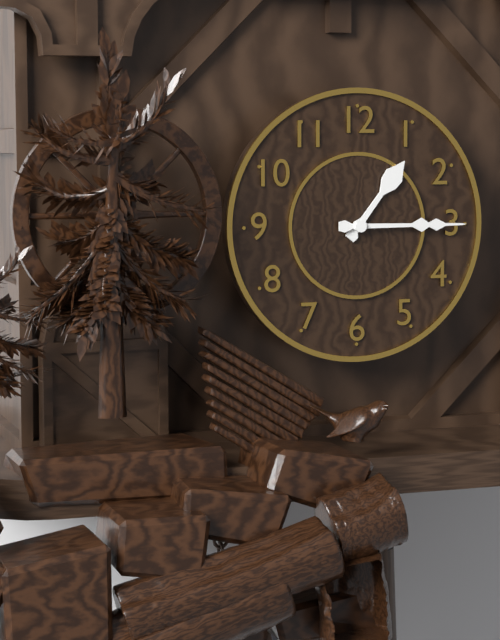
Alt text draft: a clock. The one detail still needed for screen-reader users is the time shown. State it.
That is 1:15
